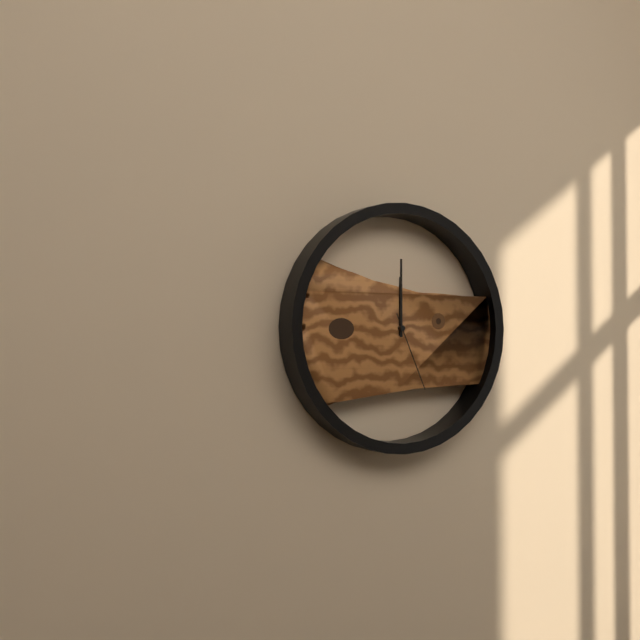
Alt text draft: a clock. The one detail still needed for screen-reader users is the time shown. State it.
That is 12:00:26
